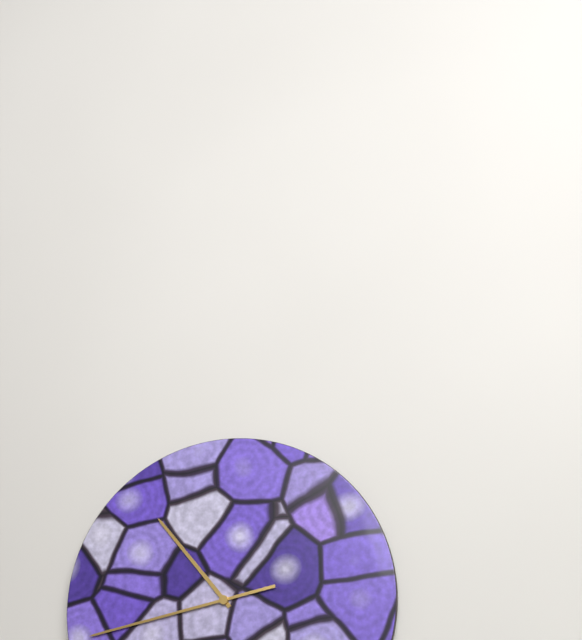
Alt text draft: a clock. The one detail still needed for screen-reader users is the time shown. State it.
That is 10:43
